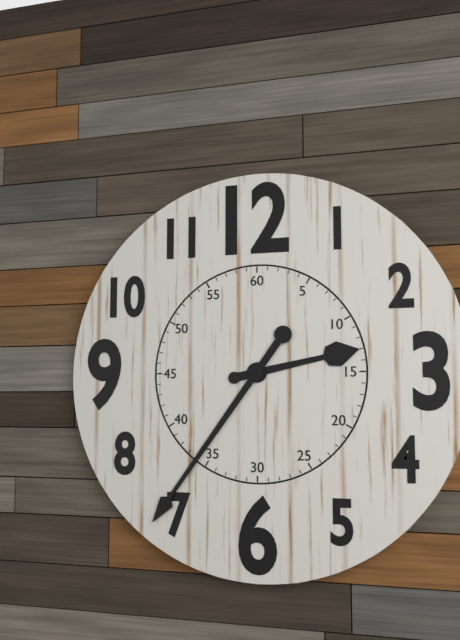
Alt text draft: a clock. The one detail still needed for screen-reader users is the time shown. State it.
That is 2:36
